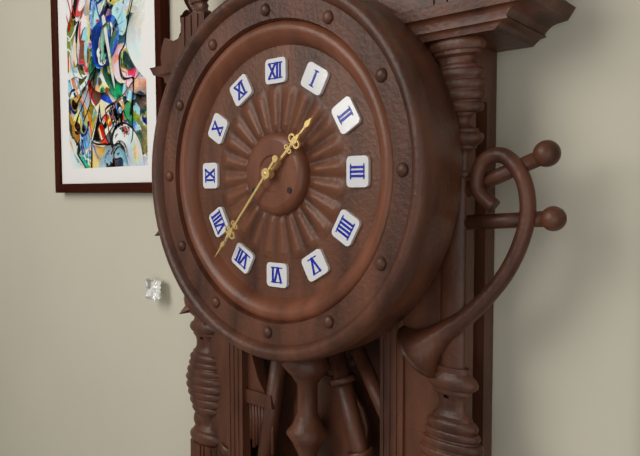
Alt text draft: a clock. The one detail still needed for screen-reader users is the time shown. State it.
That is 1:37
